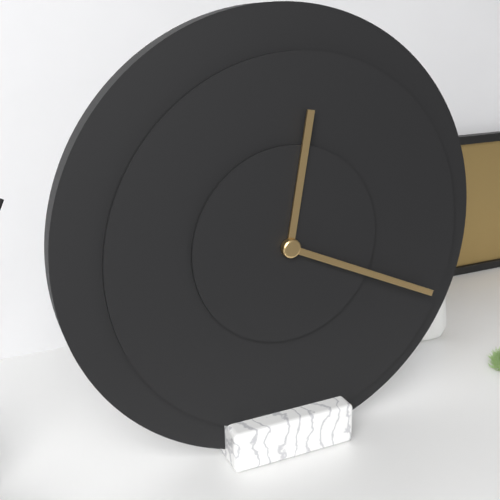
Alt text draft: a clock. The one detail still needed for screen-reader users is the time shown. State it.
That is 12:19
